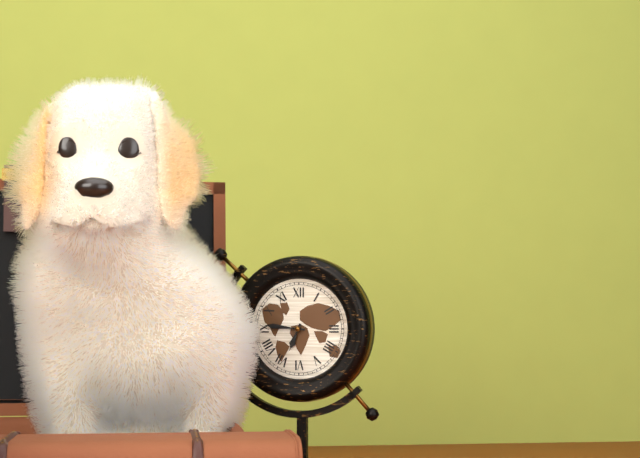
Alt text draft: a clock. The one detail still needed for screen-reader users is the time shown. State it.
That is 6:46
